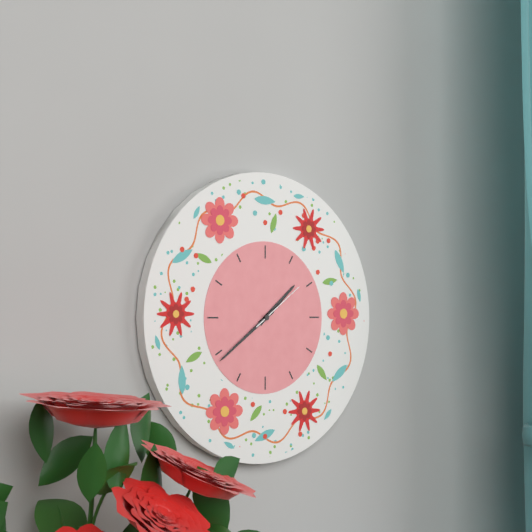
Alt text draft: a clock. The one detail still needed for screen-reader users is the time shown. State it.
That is 1:39:09
